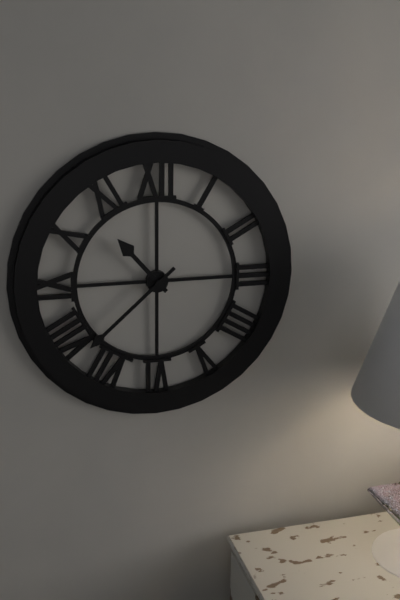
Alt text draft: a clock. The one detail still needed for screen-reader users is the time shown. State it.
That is 10:38
